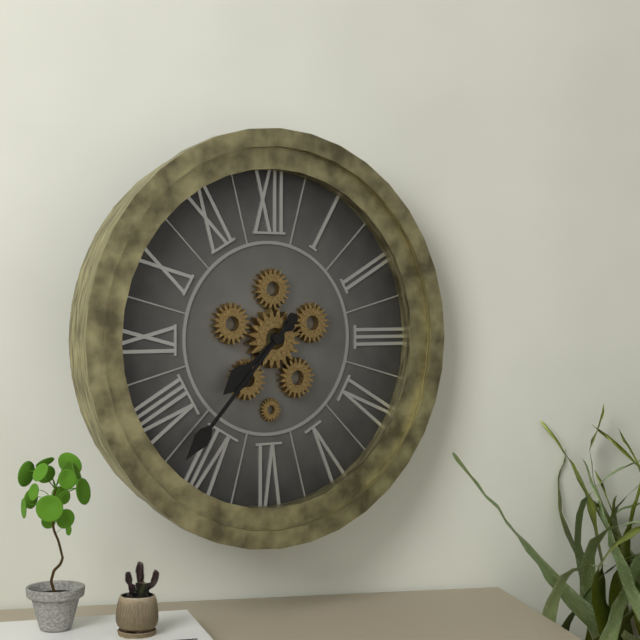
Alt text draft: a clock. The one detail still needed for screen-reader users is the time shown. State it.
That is 7:37
